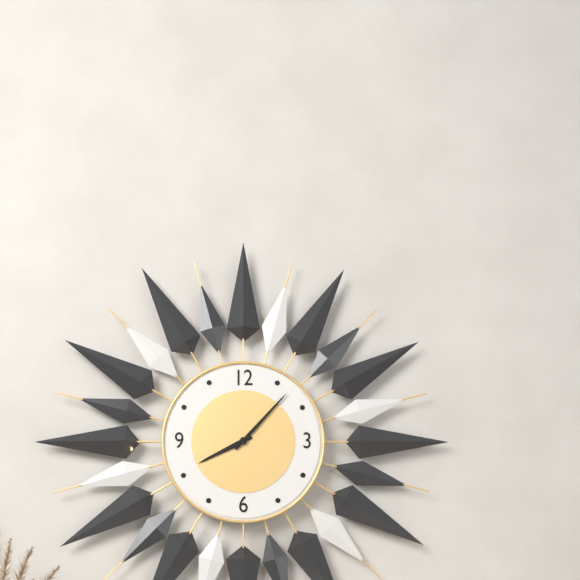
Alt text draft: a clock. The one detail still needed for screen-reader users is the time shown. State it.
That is 8:07
